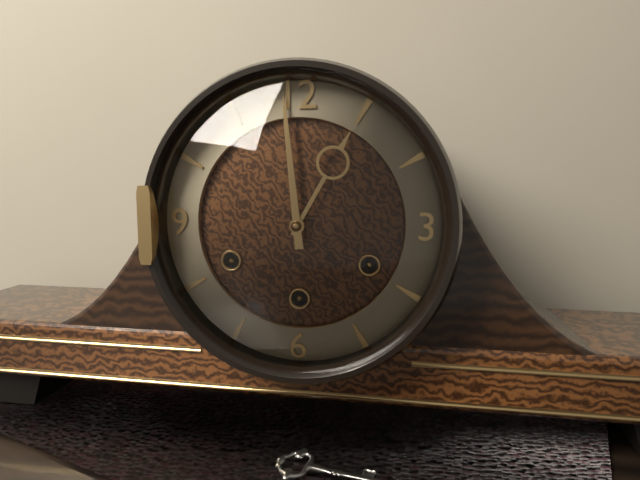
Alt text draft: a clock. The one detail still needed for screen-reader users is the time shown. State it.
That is 12:59
